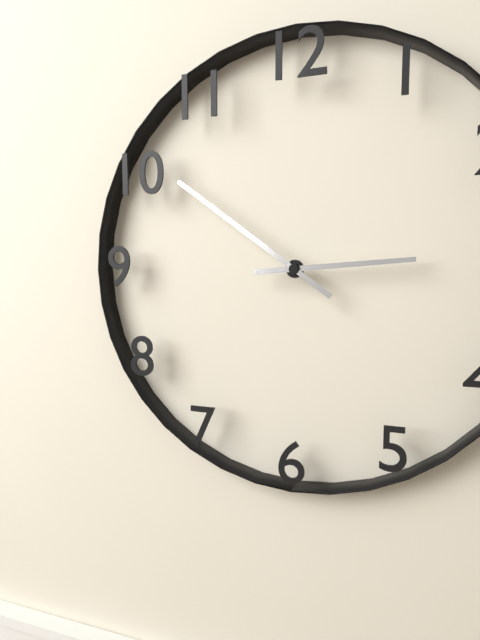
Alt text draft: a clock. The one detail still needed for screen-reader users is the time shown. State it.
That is 2:51
